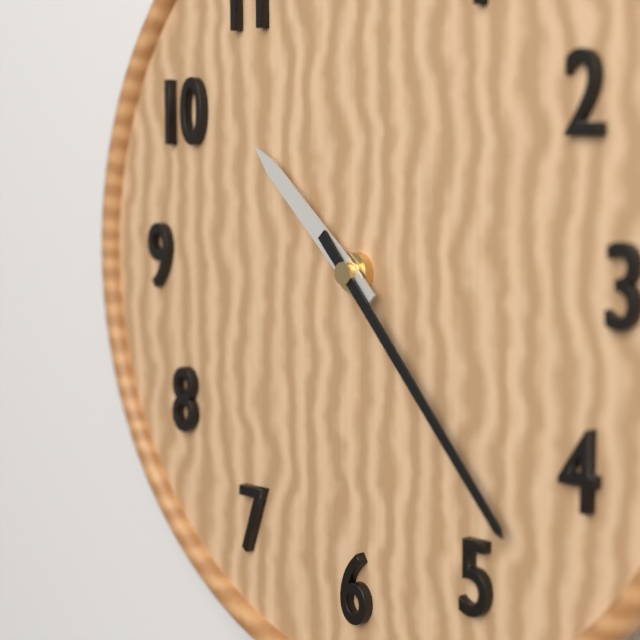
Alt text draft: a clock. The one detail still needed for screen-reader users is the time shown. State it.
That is 10:23
